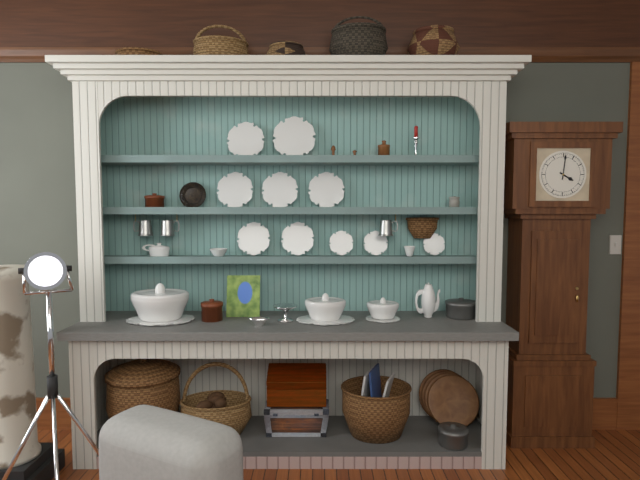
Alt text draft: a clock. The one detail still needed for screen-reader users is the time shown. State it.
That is 4:01
